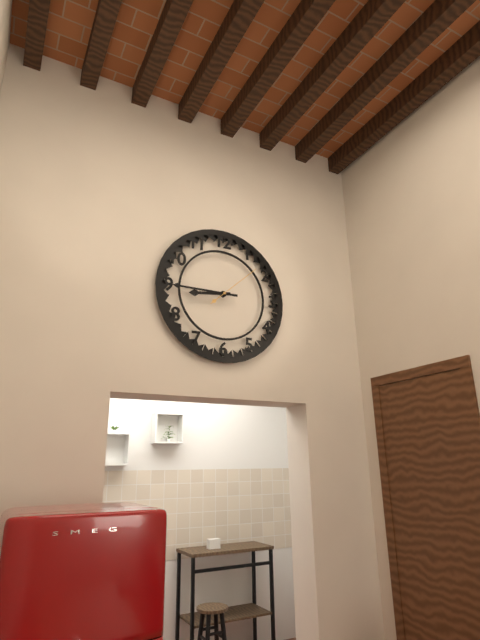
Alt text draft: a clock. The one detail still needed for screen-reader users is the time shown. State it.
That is 8:45:08
